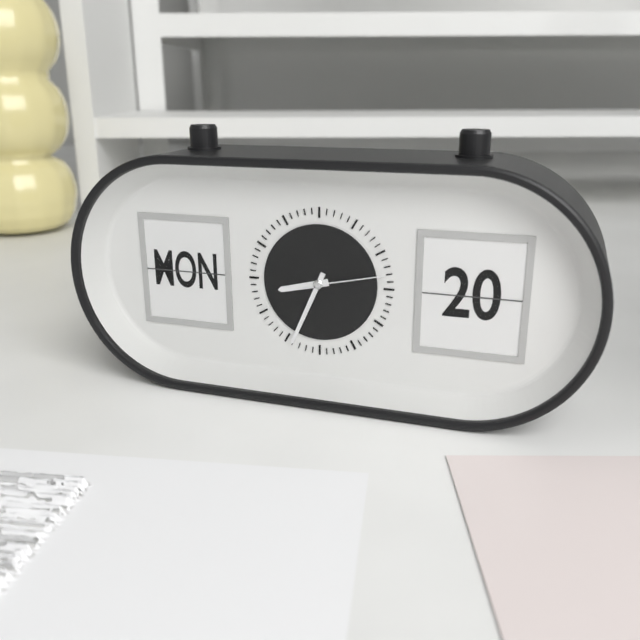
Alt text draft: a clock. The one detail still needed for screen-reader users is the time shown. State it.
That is 8:34:13
